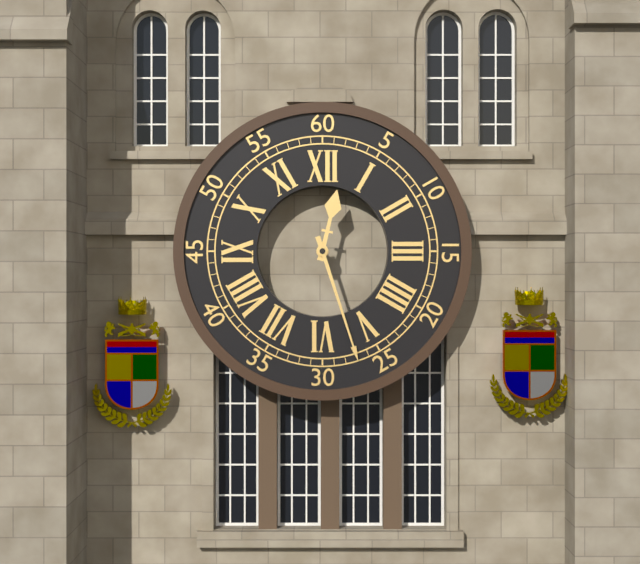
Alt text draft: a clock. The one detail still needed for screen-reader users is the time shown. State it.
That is 12:27
